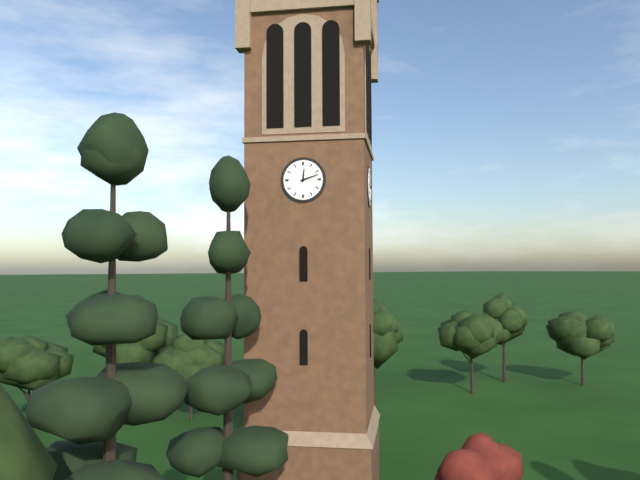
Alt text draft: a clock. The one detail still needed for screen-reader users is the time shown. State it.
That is 12:12
